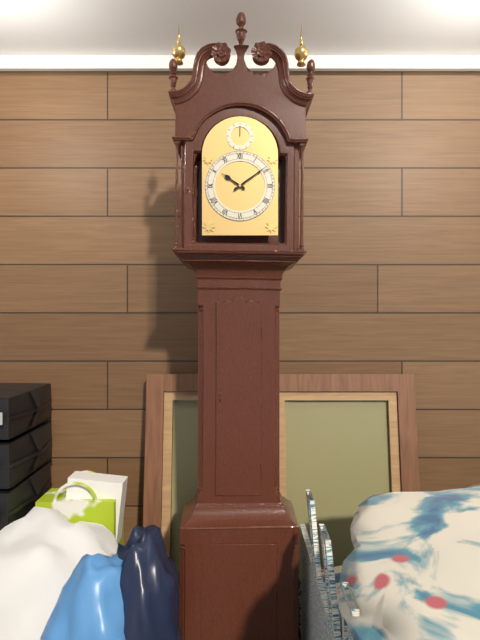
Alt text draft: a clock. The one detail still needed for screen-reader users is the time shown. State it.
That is 10:09
